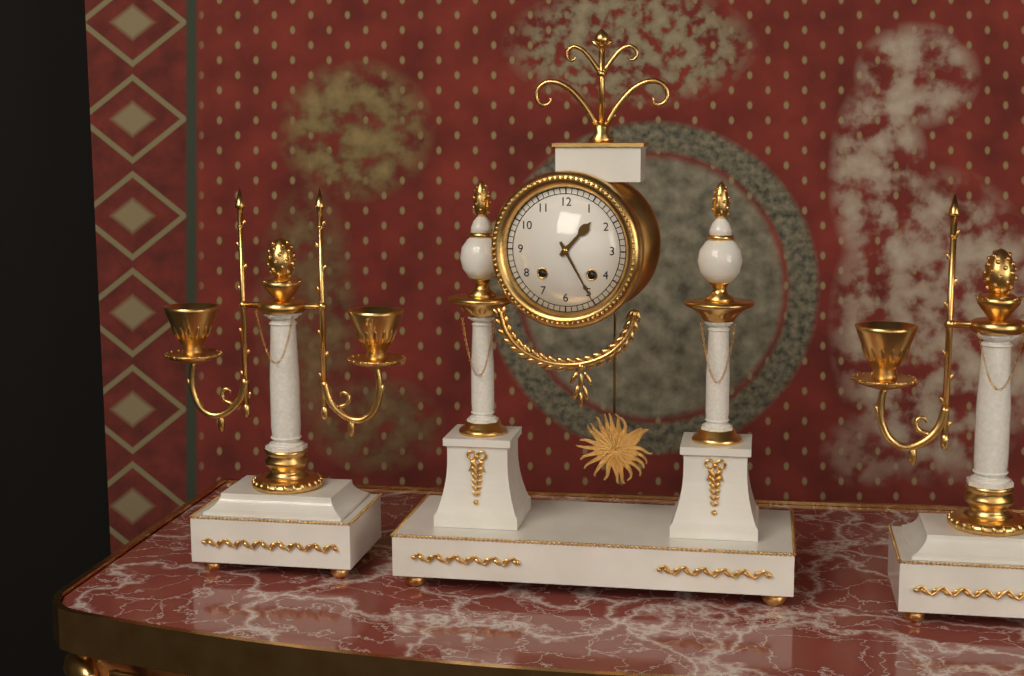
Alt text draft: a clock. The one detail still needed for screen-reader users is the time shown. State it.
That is 1:25
